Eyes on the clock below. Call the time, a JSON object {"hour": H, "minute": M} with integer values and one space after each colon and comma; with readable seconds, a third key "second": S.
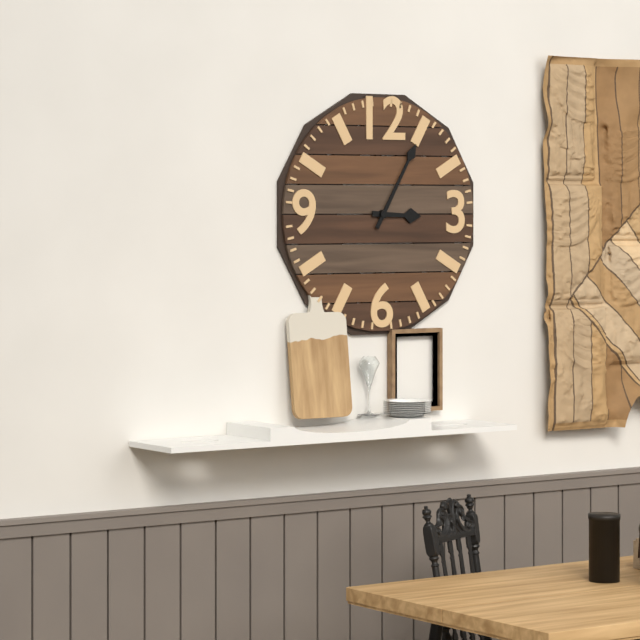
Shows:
{"hour": 3, "minute": 5}
